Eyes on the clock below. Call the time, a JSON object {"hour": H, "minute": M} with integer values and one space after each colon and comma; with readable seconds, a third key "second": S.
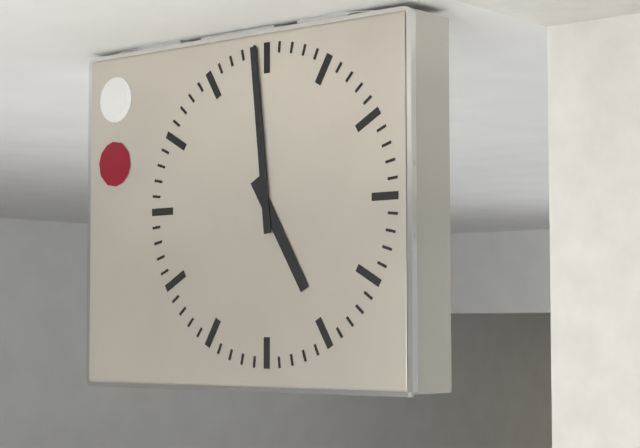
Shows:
{"hour": 4, "minute": 59}
